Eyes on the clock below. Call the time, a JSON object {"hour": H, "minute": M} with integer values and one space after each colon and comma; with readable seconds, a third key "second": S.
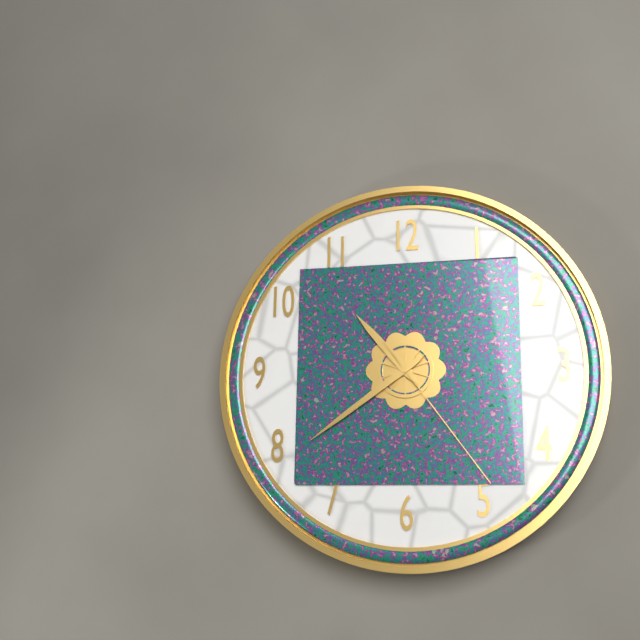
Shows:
{"hour": 10, "minute": 39, "second": 24}
